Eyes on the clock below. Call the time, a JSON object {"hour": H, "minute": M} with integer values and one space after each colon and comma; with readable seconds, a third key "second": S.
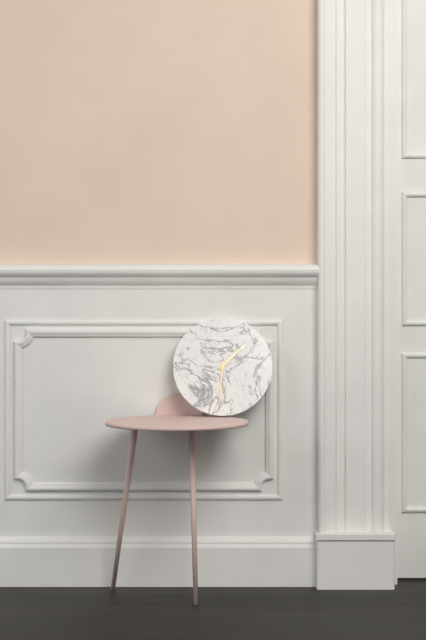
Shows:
{"hour": 1, "minute": 31}
